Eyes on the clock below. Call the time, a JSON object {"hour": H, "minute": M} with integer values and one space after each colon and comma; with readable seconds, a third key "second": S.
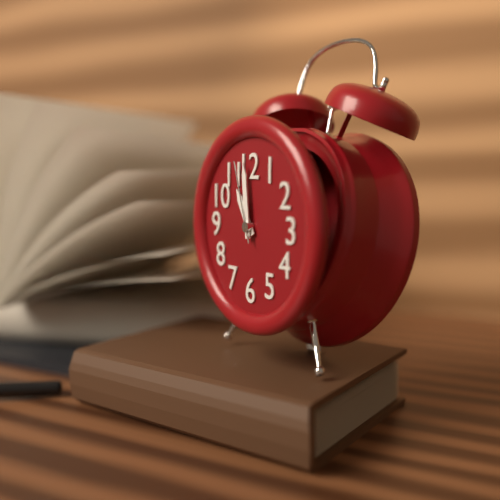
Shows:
{"hour": 10, "minute": 59, "second": 57}
